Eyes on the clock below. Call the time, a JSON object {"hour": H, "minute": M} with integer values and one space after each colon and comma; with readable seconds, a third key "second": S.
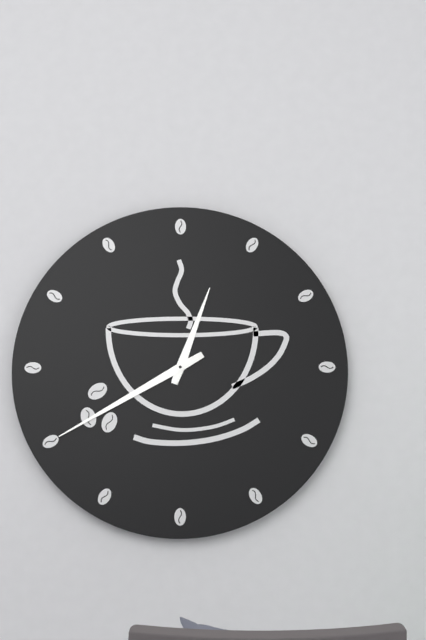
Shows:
{"hour": 12, "minute": 40}
